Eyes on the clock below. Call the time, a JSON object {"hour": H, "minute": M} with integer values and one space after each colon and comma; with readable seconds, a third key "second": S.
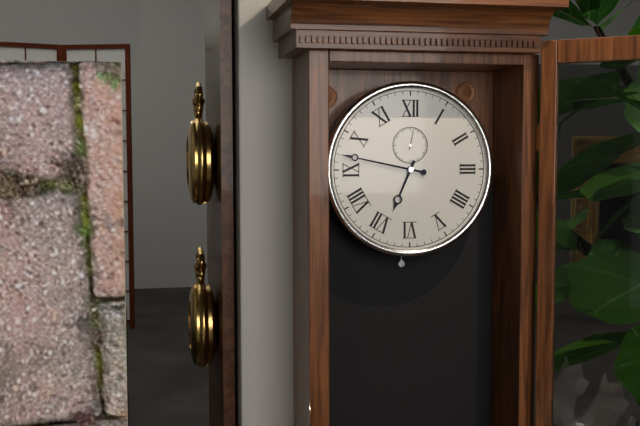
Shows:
{"hour": 6, "minute": 47}
